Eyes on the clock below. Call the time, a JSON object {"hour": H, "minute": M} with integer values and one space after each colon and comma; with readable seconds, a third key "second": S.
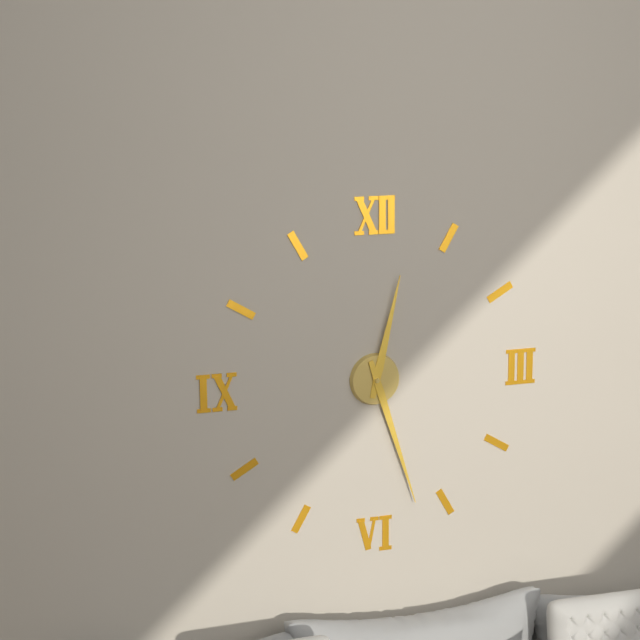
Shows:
{"hour": 12, "minute": 27}
